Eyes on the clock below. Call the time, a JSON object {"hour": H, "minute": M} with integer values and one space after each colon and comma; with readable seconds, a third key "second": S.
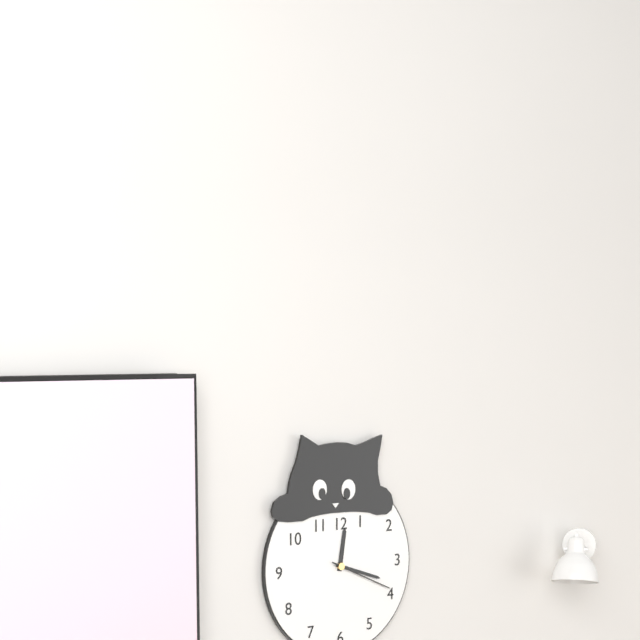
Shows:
{"hour": 12, "minute": 18, "second": 19}
